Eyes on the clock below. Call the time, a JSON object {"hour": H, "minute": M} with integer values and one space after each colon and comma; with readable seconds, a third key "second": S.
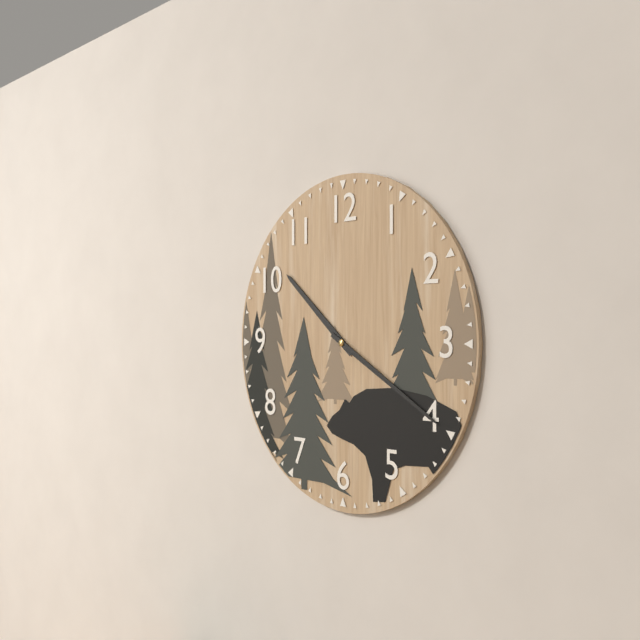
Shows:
{"hour": 10, "minute": 20}
